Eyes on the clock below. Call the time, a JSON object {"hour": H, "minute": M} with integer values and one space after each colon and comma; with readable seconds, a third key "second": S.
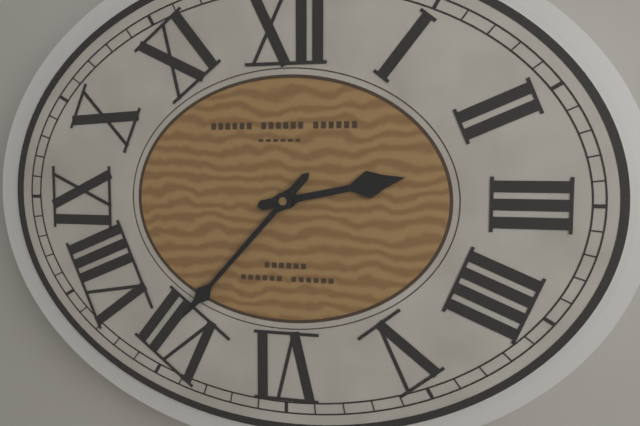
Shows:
{"hour": 2, "minute": 37}
